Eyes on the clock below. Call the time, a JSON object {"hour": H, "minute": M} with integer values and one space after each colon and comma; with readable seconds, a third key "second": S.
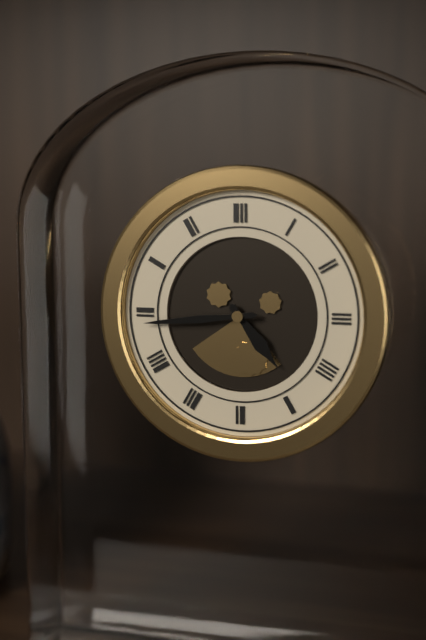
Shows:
{"hour": 4, "minute": 44}
